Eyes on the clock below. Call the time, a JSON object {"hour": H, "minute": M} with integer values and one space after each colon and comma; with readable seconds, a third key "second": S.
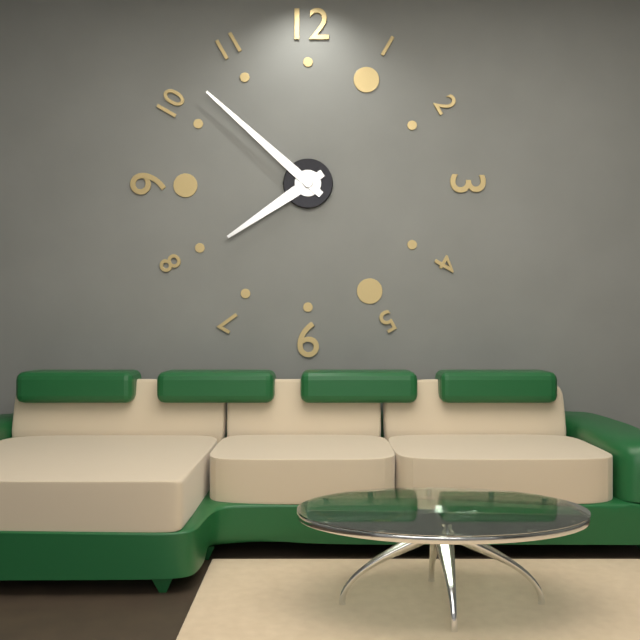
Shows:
{"hour": 7, "minute": 52}
